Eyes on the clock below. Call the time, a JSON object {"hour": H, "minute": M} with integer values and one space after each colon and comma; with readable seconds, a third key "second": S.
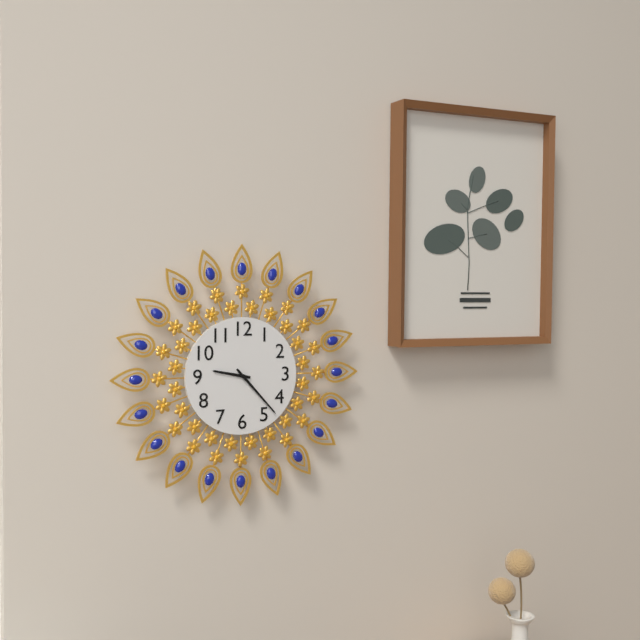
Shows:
{"hour": 9, "minute": 23}
